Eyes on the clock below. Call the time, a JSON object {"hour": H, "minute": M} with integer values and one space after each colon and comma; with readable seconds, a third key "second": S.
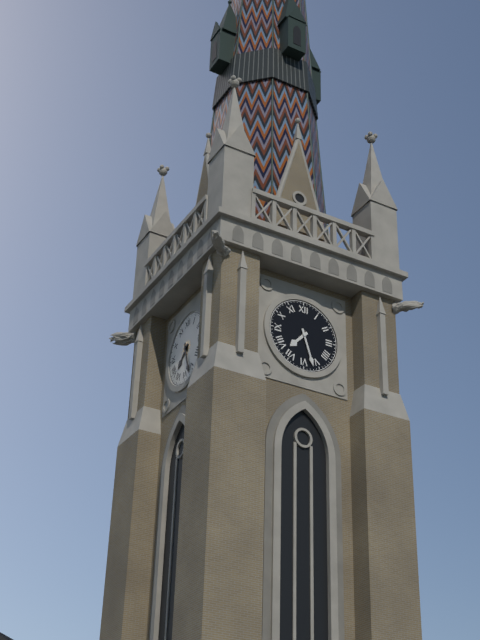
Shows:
{"hour": 7, "minute": 27}
